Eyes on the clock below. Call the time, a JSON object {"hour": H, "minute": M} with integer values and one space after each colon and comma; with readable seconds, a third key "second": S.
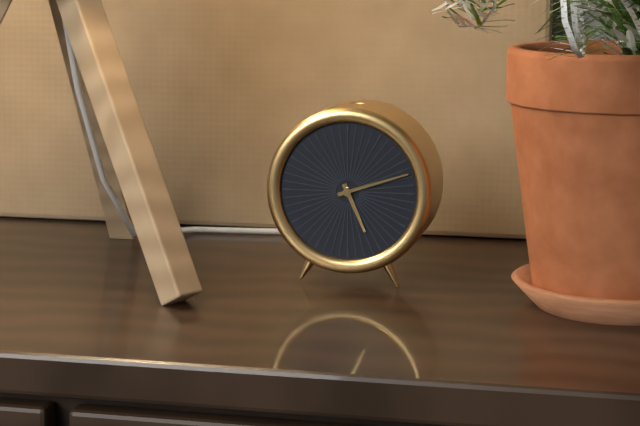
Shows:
{"hour": 5, "minute": 12}
